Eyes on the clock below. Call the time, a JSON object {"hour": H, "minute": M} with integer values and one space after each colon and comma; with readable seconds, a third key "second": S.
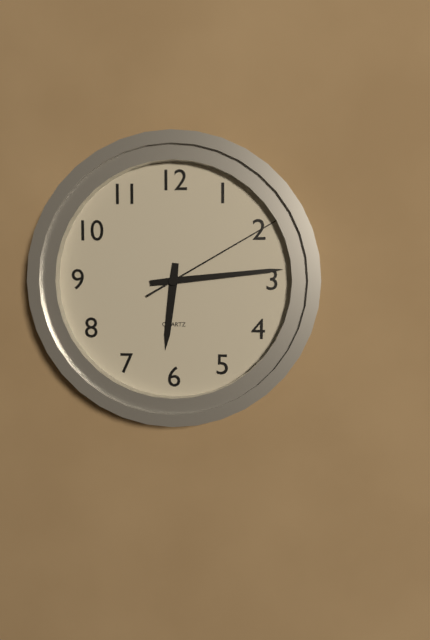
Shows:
{"hour": 6, "minute": 14, "second": 10}
